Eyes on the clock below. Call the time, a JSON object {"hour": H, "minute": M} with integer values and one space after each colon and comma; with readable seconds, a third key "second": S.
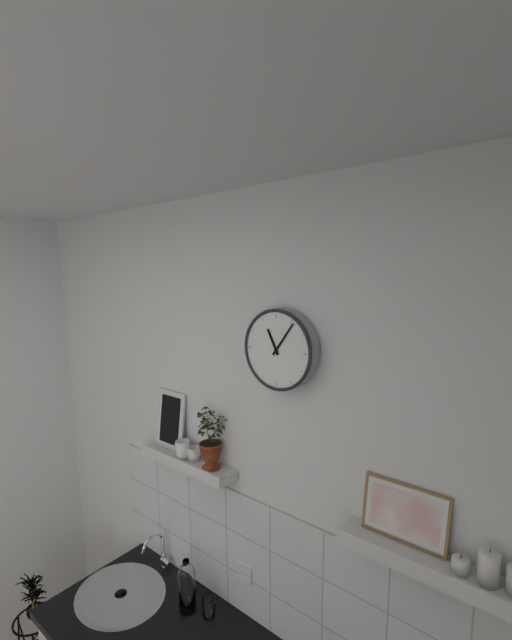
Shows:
{"hour": 11, "minute": 6}
